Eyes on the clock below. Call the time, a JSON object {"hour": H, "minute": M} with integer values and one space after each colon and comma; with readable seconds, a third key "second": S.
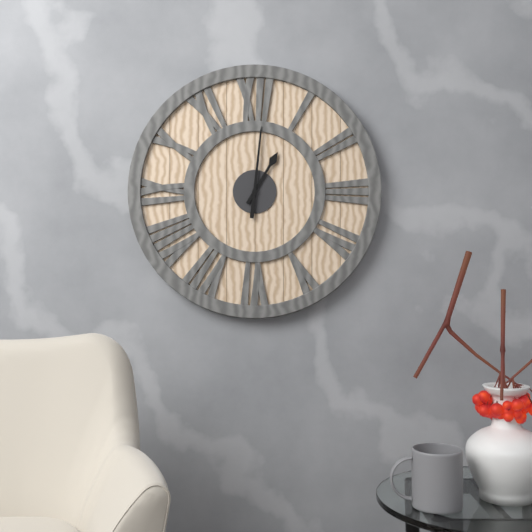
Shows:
{"hour": 1, "minute": 1}
